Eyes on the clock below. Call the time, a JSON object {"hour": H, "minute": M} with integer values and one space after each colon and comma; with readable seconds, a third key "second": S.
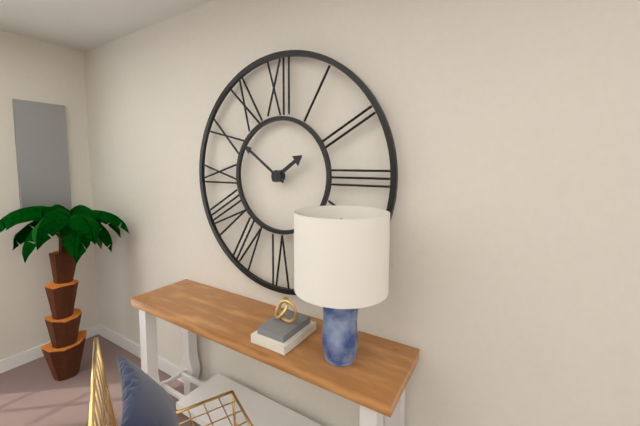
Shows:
{"hour": 1, "minute": 51}
